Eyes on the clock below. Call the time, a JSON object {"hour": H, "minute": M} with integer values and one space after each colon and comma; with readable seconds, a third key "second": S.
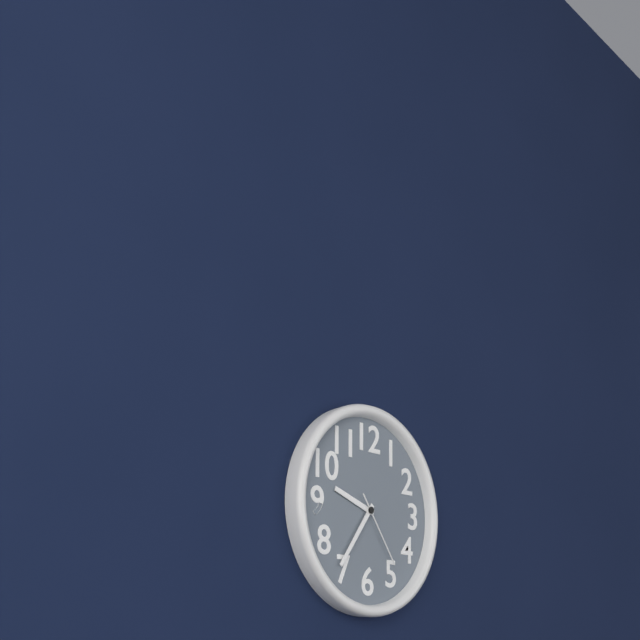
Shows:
{"hour": 9, "minute": 36, "second": 24}
